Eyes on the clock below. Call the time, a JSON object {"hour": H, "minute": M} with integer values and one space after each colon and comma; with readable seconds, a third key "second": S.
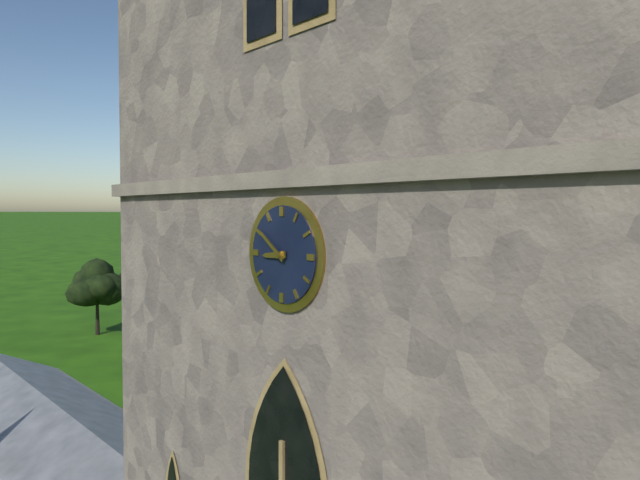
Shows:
{"hour": 8, "minute": 51}
